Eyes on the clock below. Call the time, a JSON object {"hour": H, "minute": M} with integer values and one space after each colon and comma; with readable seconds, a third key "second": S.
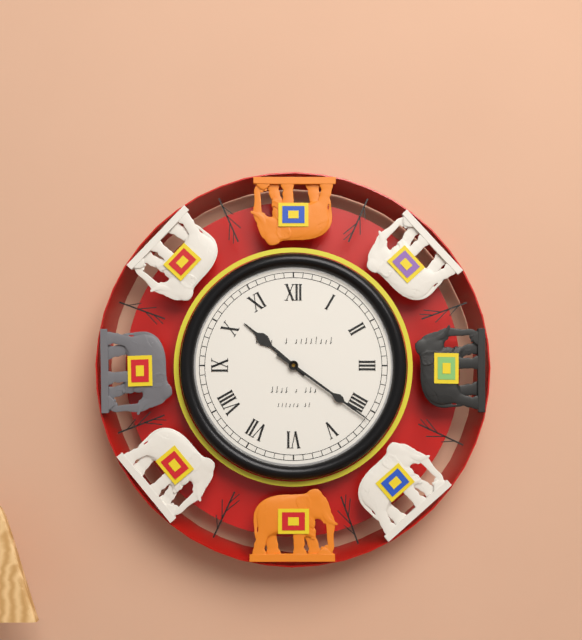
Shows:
{"hour": 10, "minute": 21}
